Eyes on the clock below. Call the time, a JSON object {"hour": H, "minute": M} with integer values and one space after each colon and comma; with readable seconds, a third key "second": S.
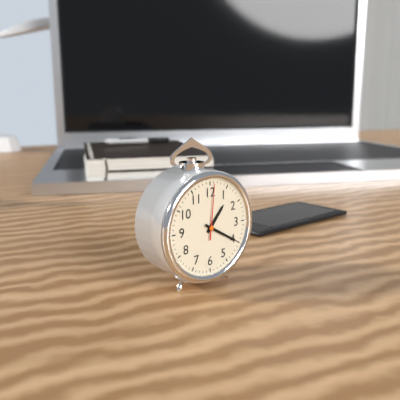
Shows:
{"hour": 1, "minute": 20, "second": 1}
